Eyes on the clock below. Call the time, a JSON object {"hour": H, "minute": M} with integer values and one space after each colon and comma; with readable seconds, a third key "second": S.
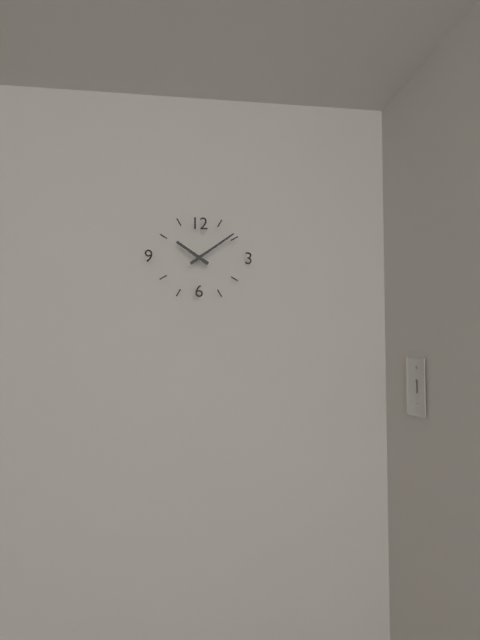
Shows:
{"hour": 10, "minute": 9}
